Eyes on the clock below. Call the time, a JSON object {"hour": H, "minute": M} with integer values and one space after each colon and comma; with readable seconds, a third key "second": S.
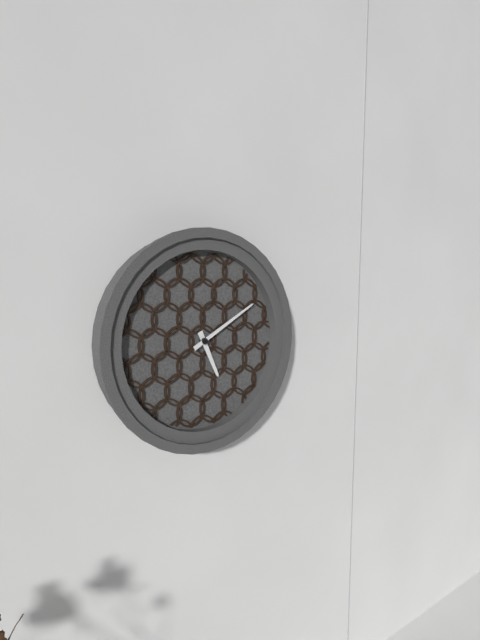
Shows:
{"hour": 5, "minute": 10}
